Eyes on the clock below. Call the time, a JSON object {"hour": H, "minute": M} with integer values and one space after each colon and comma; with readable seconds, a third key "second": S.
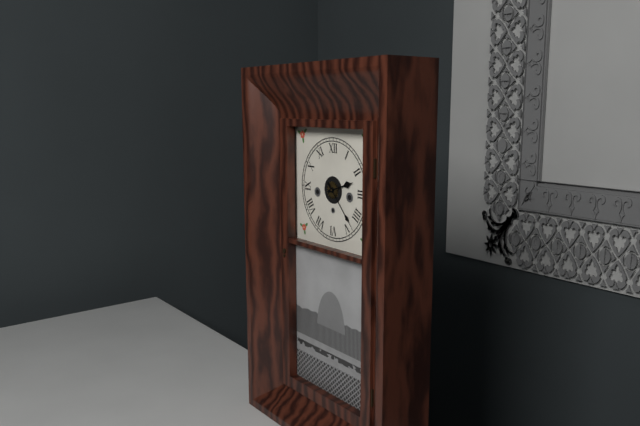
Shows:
{"hour": 2, "minute": 23}
